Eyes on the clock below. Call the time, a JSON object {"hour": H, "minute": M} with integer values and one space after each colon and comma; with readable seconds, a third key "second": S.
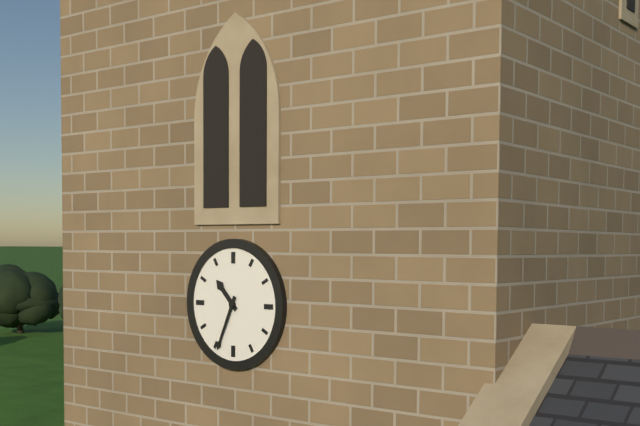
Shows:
{"hour": 10, "minute": 34}
